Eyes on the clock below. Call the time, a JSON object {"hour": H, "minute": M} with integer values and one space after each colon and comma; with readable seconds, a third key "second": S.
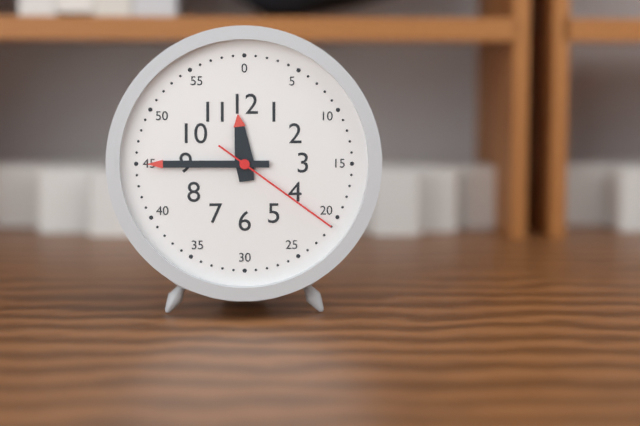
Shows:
{"hour": 11, "minute": 45, "second": 21}
